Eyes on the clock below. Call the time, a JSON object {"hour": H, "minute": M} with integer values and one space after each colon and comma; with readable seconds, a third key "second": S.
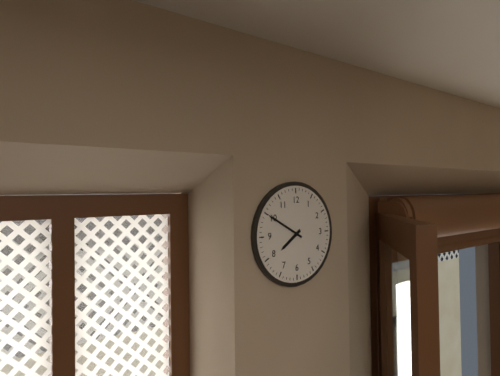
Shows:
{"hour": 7, "minute": 50}
